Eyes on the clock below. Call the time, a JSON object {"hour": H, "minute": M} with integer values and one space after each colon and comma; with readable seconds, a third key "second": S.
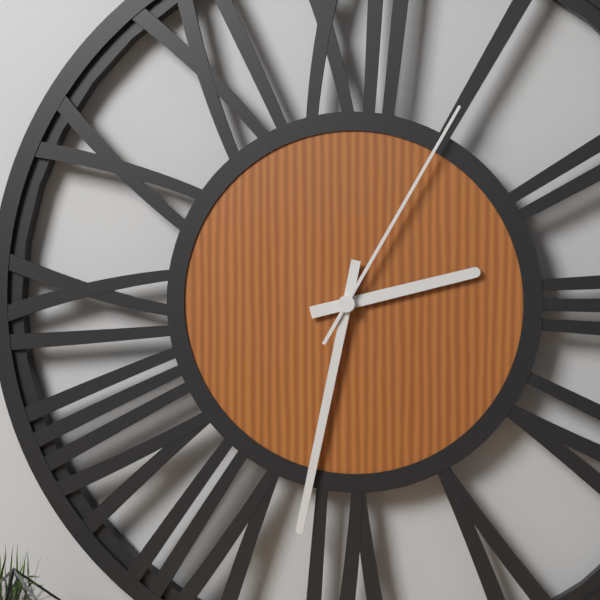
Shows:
{"hour": 2, "minute": 32, "second": 5}
